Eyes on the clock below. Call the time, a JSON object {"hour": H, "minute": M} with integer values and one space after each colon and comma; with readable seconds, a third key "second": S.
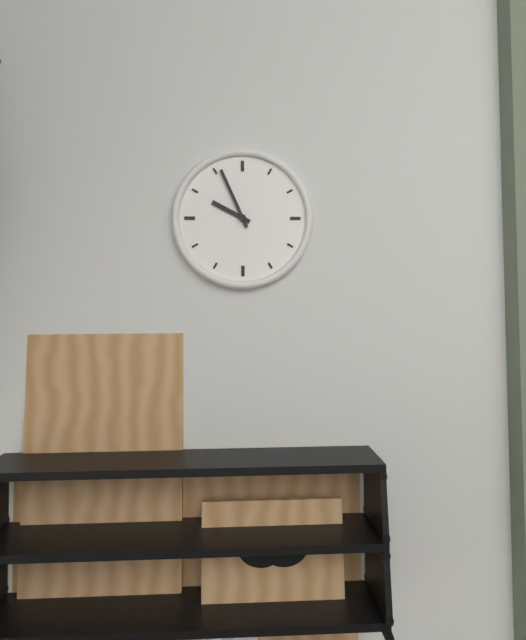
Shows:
{"hour": 9, "minute": 56}
